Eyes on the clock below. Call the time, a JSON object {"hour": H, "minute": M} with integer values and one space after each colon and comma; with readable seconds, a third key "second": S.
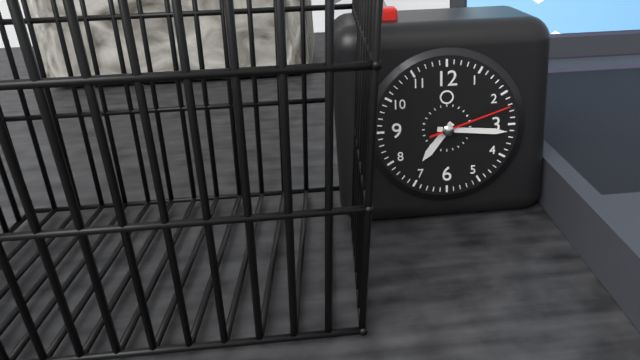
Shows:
{"hour": 7, "minute": 16, "second": 12}
